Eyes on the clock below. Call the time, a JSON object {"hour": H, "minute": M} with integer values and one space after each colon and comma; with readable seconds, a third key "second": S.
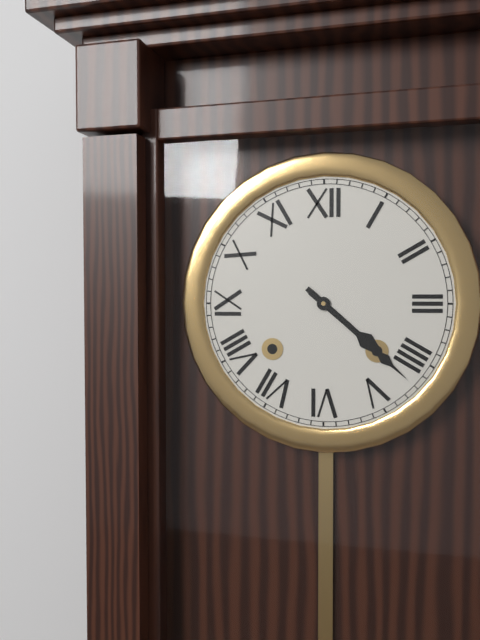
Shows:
{"hour": 4, "minute": 22}
